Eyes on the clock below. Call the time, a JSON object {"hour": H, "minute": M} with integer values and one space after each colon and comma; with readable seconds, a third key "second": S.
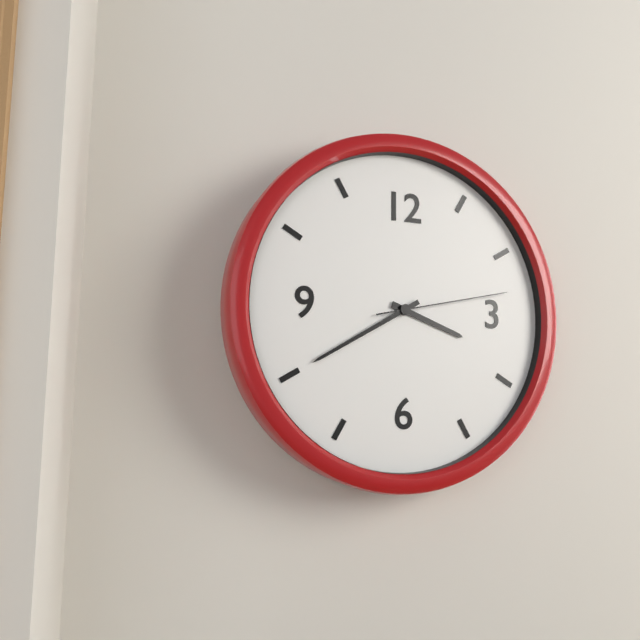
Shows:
{"hour": 3, "minute": 40, "second": 13}
